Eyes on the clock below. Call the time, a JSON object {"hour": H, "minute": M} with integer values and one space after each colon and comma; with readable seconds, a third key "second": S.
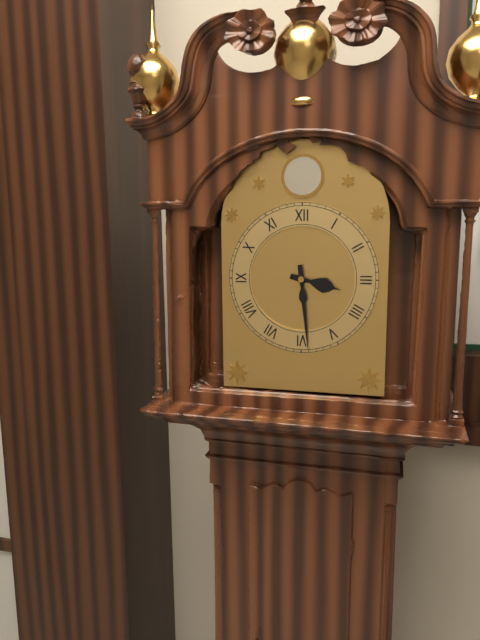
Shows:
{"hour": 3, "minute": 29}
